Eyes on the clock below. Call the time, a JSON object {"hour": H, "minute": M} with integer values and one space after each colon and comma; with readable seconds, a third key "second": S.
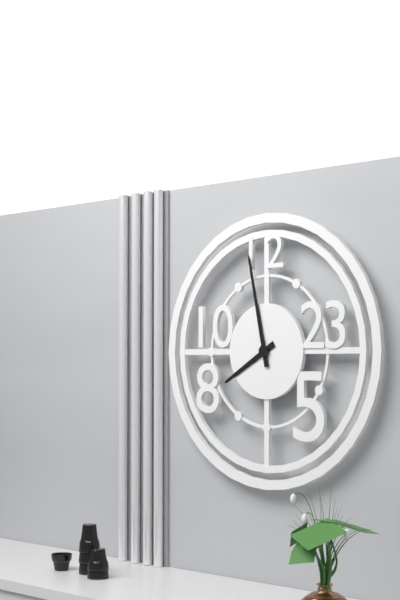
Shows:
{"hour": 7, "minute": 58}
